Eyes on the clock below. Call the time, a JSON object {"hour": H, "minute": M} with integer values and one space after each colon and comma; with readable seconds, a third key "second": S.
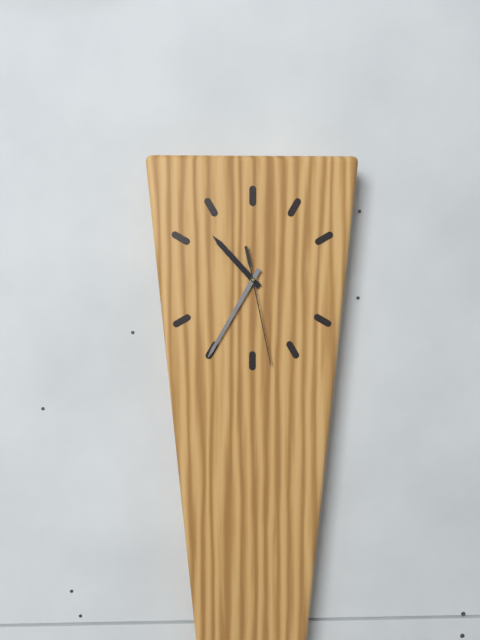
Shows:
{"hour": 10, "minute": 35, "second": 28}
